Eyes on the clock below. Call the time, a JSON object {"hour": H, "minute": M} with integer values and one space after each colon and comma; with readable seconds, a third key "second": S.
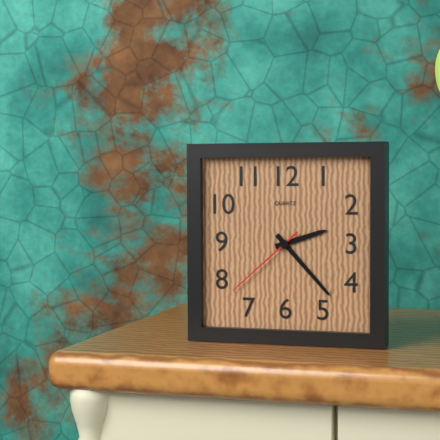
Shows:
{"hour": 2, "minute": 23, "second": 38}
